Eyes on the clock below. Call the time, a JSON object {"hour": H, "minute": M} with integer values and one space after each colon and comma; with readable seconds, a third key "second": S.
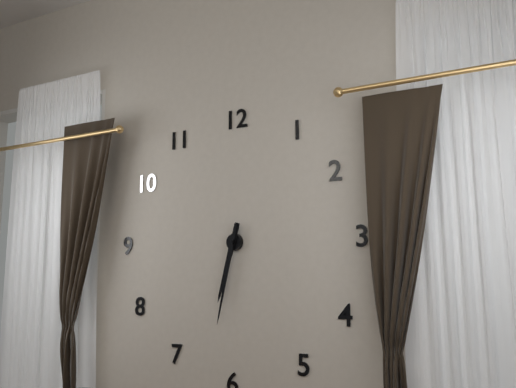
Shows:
{"hour": 6, "minute": 32}
